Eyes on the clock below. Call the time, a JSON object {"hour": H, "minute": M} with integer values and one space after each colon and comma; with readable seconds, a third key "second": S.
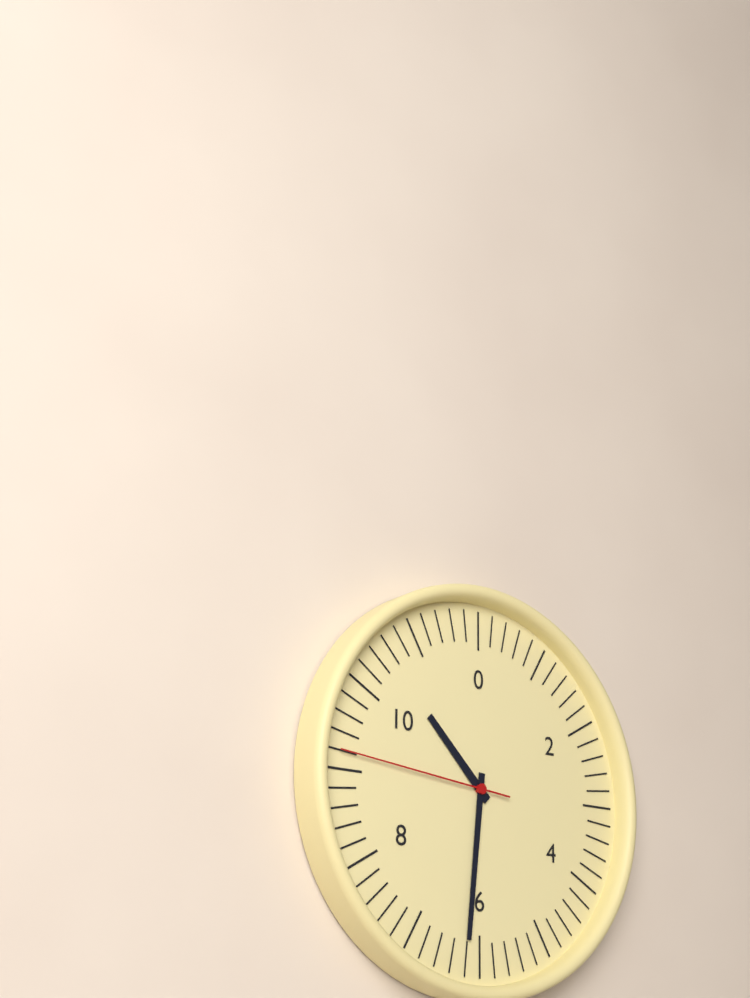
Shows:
{"hour": 10, "minute": 31, "second": 46}
